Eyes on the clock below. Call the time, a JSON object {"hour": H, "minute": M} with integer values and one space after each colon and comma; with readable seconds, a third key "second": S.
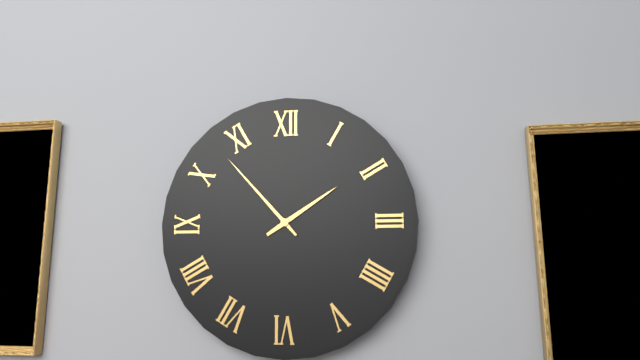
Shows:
{"hour": 1, "minute": 53}
